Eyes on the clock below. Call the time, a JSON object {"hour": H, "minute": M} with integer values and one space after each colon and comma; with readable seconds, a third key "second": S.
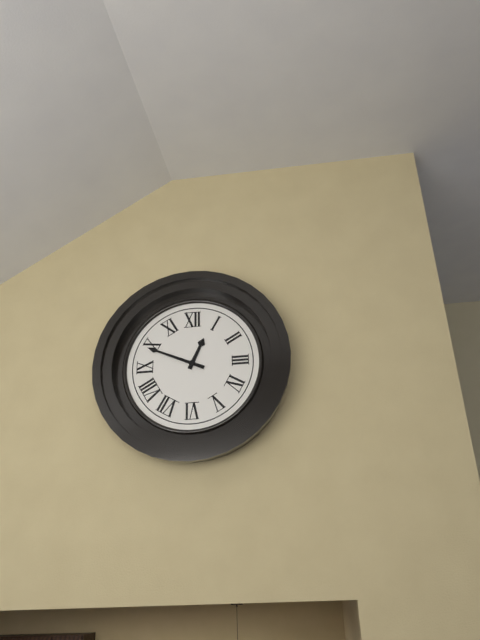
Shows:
{"hour": 12, "minute": 49}
